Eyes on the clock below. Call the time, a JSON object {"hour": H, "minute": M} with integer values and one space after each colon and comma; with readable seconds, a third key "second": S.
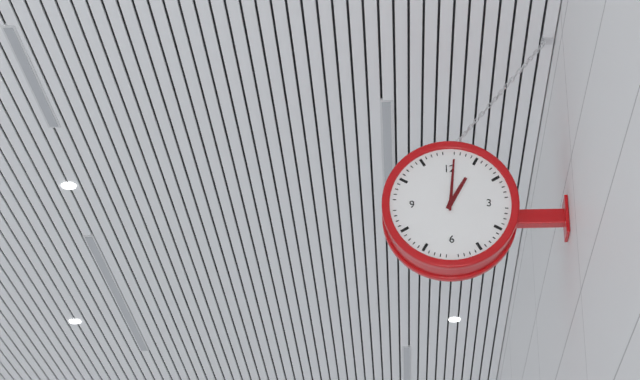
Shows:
{"hour": 1, "minute": 1}
